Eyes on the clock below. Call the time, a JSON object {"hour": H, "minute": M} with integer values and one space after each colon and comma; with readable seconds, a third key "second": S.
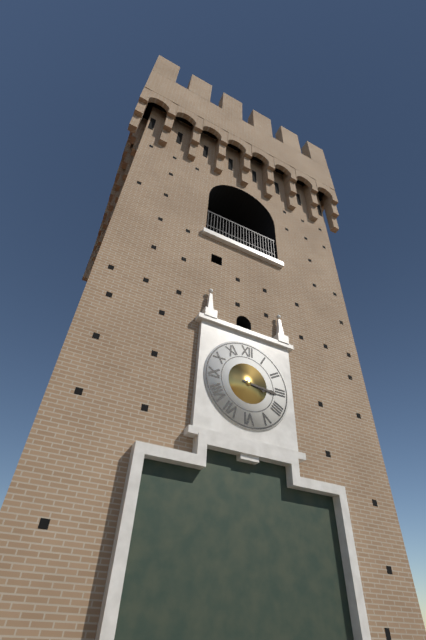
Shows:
{"hour": 3, "minute": 16}
